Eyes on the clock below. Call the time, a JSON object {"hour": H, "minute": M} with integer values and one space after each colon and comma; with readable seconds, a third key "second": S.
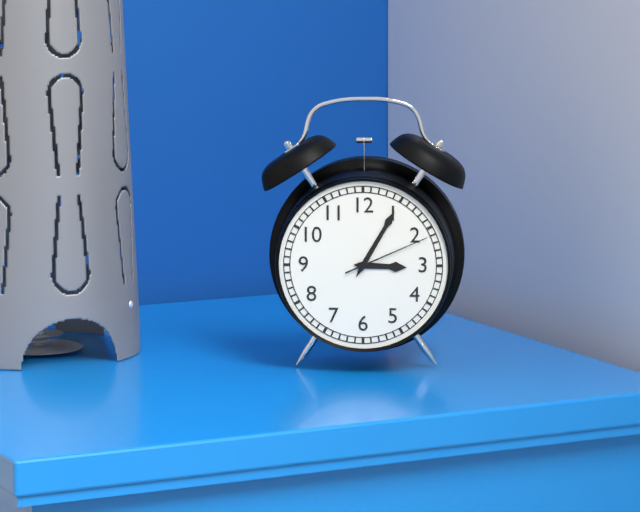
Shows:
{"hour": 3, "minute": 5, "second": 11}
